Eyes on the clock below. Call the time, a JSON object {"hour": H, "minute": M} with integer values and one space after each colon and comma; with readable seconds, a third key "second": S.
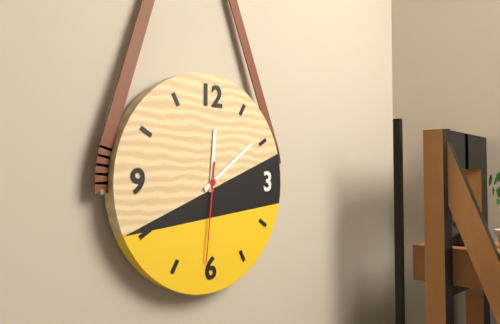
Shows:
{"hour": 12, "minute": 9, "second": 31}
